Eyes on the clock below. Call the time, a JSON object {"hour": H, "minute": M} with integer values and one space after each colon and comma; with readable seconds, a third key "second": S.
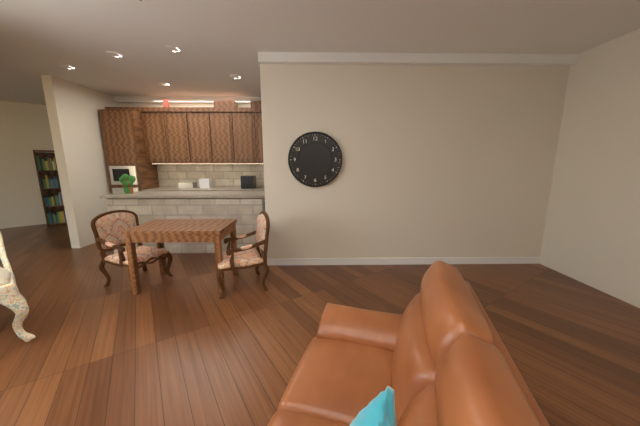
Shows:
{"hour": 7, "minute": 12}
